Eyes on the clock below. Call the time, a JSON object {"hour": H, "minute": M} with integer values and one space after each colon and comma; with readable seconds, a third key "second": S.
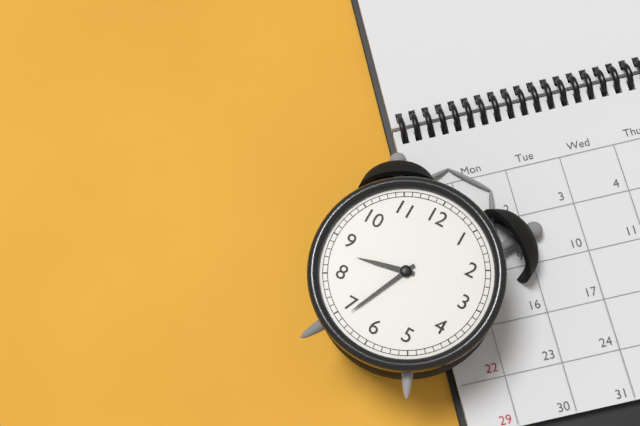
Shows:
{"hour": 8, "minute": 34}
